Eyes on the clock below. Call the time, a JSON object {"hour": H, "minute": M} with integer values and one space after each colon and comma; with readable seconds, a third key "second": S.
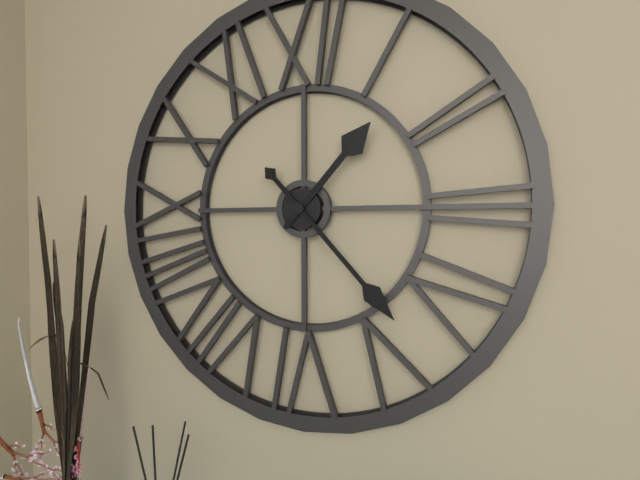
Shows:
{"hour": 1, "minute": 23}
